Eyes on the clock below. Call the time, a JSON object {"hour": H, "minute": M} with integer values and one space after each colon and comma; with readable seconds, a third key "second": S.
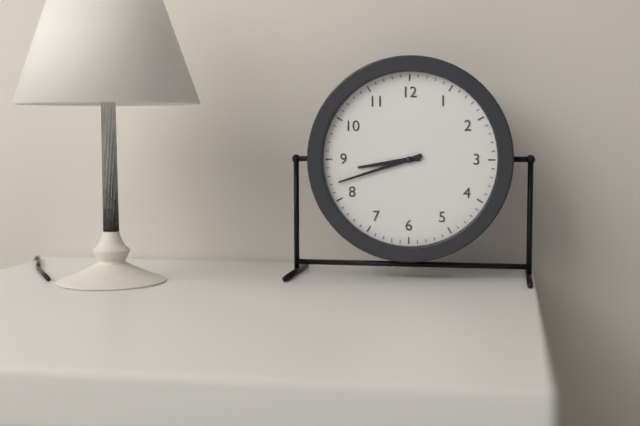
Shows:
{"hour": 8, "minute": 42}
